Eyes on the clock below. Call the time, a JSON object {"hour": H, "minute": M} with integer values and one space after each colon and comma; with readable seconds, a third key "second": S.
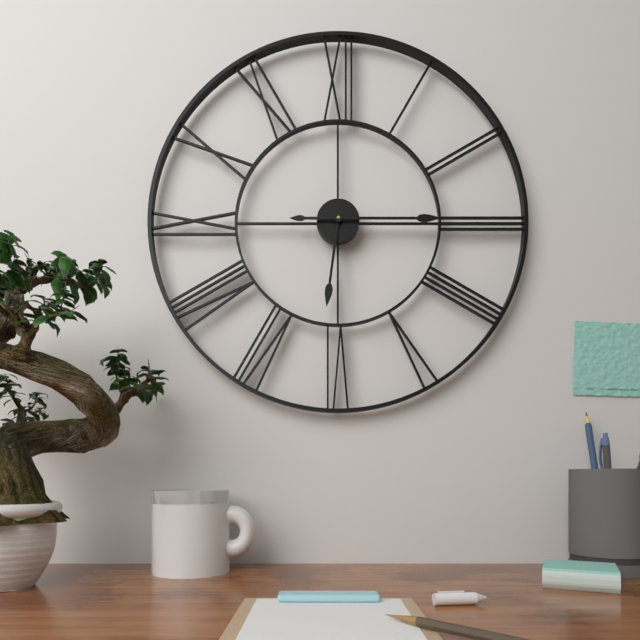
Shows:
{"hour": 6, "minute": 15}
